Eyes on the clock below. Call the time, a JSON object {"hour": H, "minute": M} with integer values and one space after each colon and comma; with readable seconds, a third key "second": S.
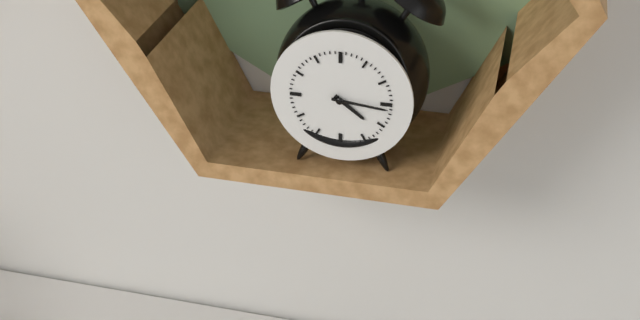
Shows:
{"hour": 4, "minute": 16}
